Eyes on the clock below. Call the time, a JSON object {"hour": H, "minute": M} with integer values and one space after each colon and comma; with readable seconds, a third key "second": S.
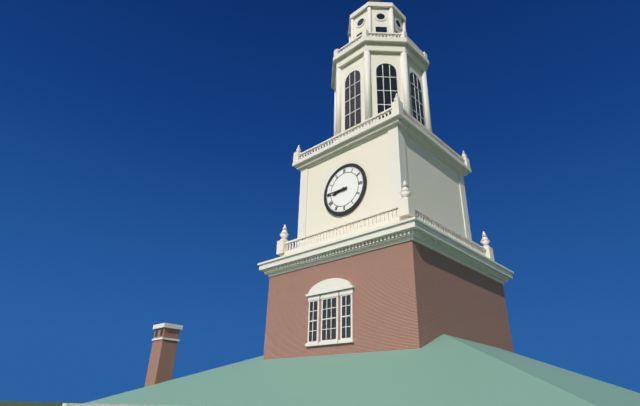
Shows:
{"hour": 8, "minute": 45}
